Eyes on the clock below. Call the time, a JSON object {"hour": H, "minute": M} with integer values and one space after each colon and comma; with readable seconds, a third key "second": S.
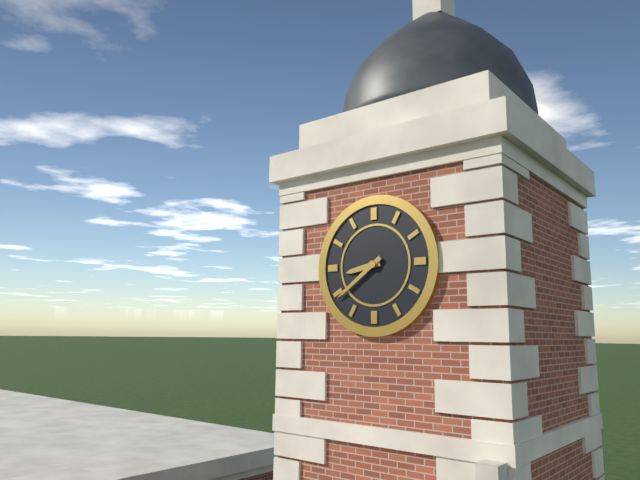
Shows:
{"hour": 8, "minute": 39}
